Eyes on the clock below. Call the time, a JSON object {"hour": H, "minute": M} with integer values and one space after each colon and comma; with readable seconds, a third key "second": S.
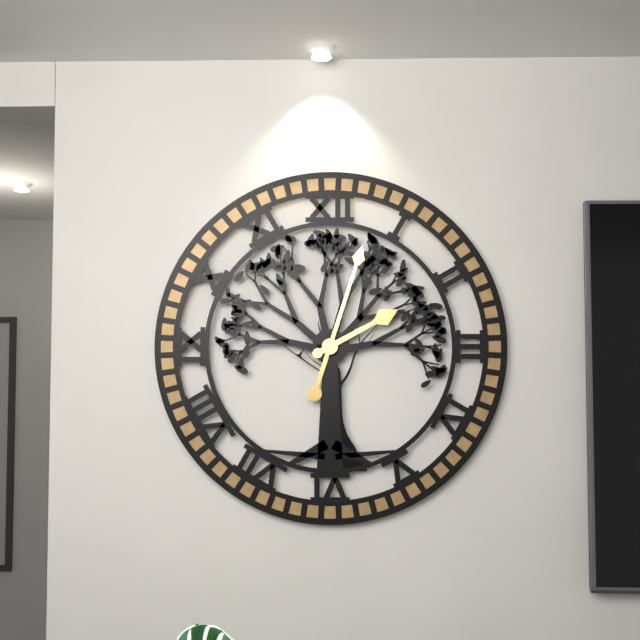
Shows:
{"hour": 2, "minute": 3}
